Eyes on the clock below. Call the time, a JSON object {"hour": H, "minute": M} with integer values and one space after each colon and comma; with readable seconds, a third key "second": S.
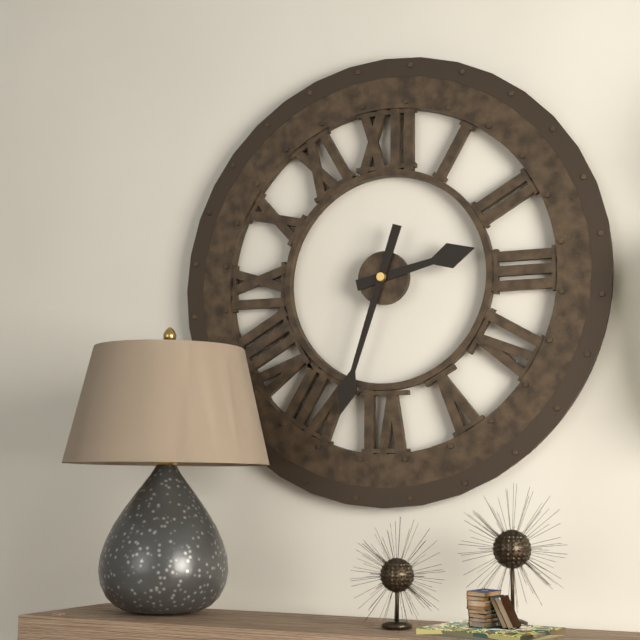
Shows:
{"hour": 2, "minute": 33}
